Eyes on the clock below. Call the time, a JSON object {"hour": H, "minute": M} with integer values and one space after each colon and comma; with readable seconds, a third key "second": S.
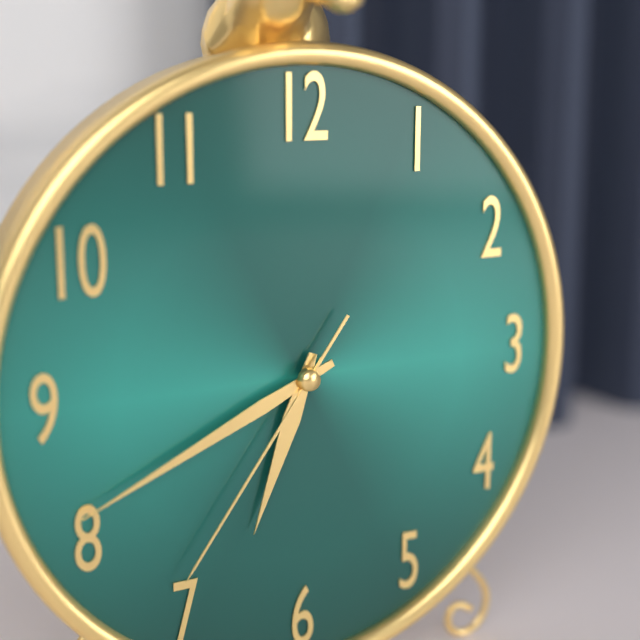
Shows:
{"hour": 6, "minute": 41, "second": 36}
